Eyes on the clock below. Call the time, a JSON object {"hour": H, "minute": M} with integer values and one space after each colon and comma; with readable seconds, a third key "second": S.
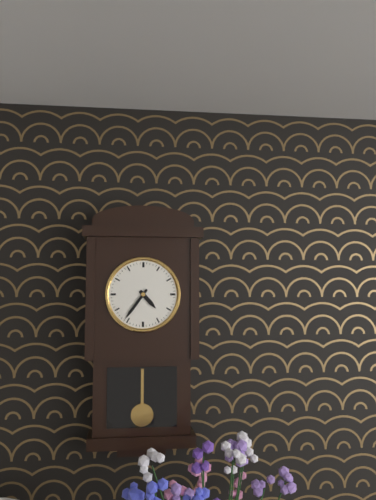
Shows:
{"hour": 4, "minute": 36}
